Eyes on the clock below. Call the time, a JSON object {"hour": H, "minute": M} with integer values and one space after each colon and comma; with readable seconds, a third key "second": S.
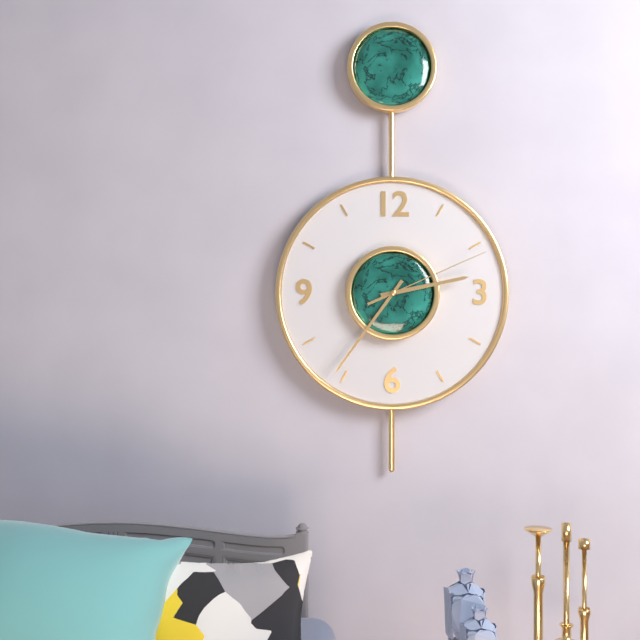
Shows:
{"hour": 2, "minute": 36, "second": 11}
